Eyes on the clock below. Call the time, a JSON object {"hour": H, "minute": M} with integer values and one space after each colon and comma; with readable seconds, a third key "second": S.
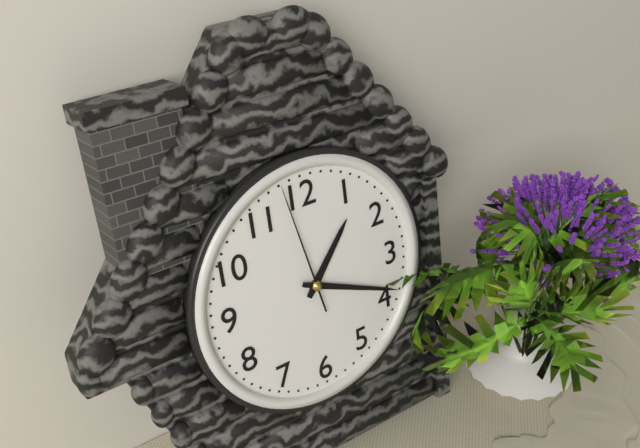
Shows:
{"hour": 1, "minute": 19, "second": 58}
